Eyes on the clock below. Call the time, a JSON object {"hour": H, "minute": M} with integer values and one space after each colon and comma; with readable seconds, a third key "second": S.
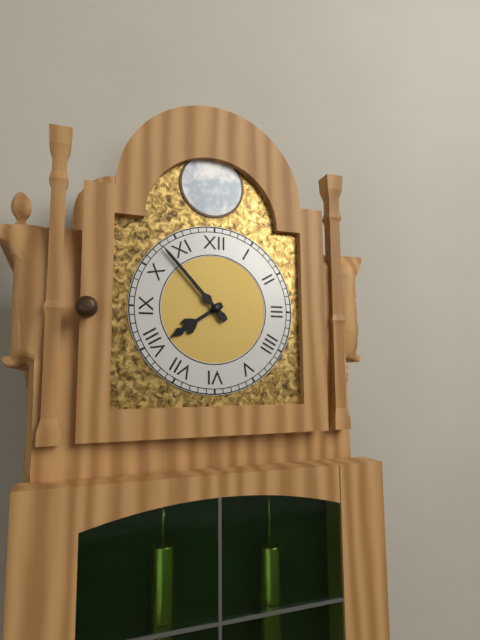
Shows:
{"hour": 7, "minute": 53}
